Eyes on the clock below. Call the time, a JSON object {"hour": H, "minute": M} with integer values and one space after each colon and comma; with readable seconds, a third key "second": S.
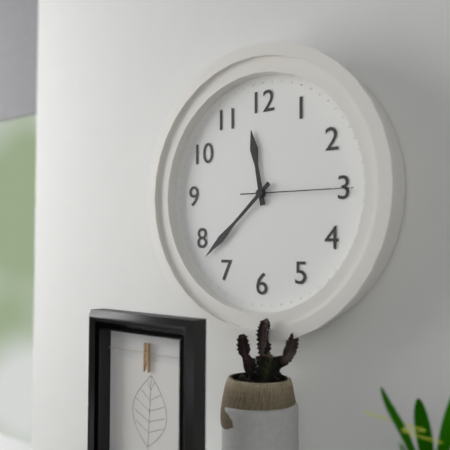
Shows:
{"hour": 11, "minute": 38, "second": 15}
